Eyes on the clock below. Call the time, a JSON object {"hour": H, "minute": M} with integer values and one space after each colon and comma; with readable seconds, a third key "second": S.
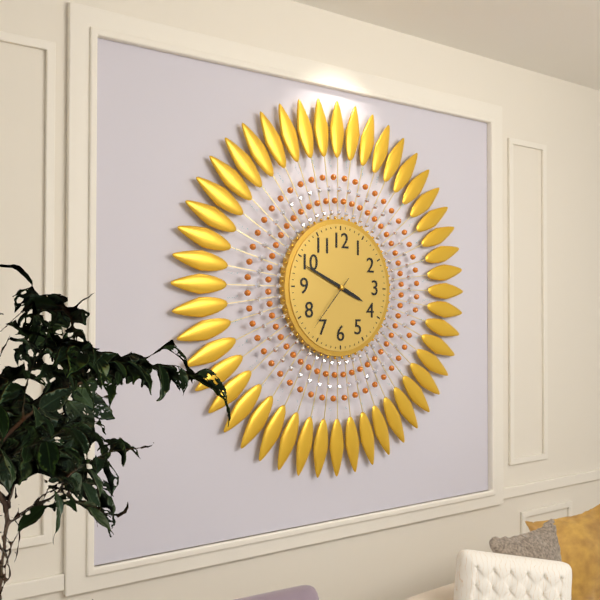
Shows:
{"hour": 3, "minute": 49, "second": 37}
